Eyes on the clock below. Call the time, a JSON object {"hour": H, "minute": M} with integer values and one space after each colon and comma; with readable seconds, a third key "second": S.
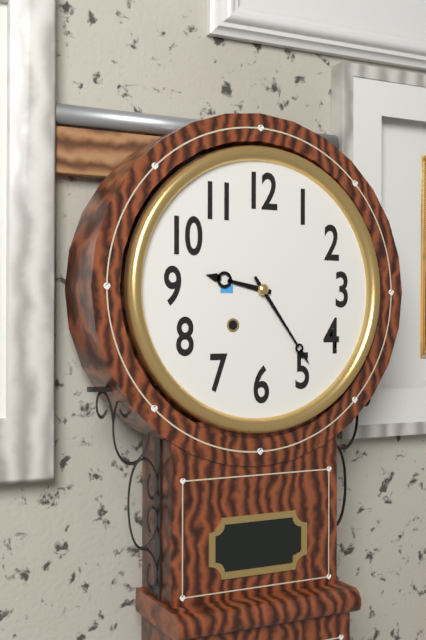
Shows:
{"hour": 9, "minute": 24}
